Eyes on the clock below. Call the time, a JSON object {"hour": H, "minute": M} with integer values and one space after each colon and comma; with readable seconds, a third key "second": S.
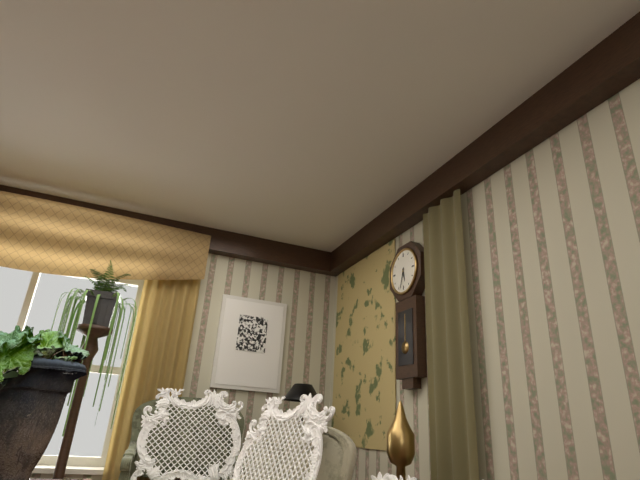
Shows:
{"hour": 5, "minute": 33}
